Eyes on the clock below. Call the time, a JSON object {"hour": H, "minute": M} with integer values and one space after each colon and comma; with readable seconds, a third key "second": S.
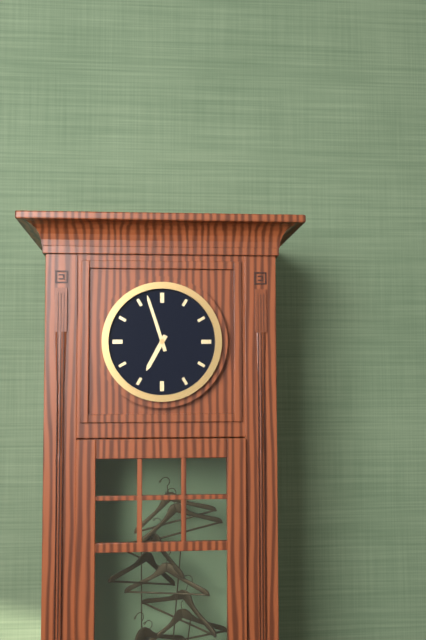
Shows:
{"hour": 6, "minute": 57}
